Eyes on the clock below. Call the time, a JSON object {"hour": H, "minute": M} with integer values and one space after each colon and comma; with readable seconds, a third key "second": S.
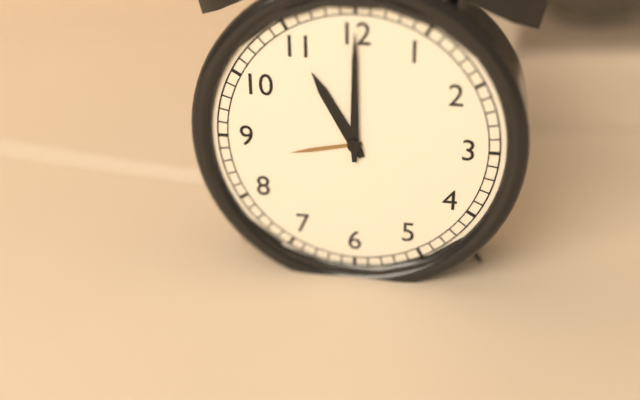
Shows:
{"hour": 11, "minute": 0}
